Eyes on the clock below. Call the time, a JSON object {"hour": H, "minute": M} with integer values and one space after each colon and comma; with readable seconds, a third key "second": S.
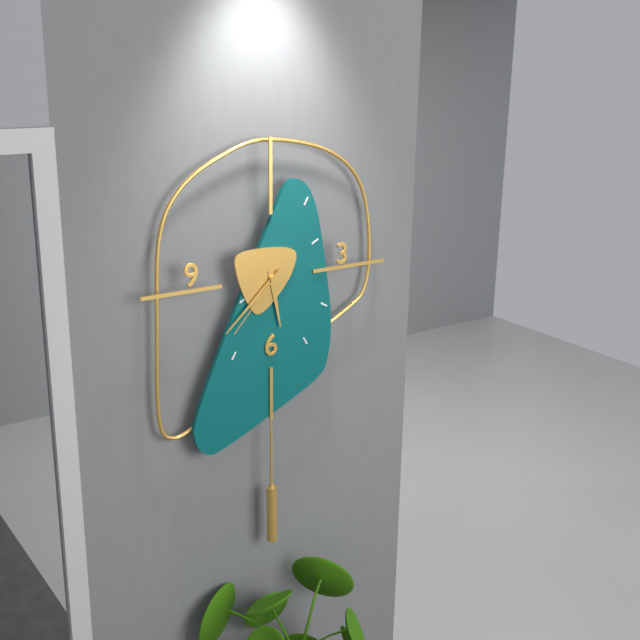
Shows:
{"hour": 5, "minute": 38, "second": 37}
